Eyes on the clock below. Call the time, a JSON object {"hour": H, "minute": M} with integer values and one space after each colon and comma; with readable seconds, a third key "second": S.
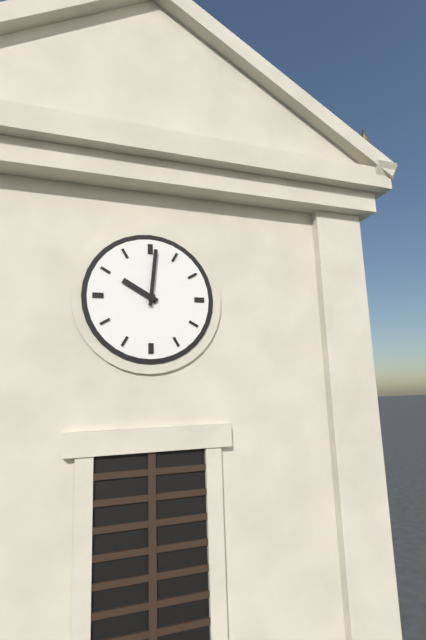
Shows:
{"hour": 10, "minute": 1}
